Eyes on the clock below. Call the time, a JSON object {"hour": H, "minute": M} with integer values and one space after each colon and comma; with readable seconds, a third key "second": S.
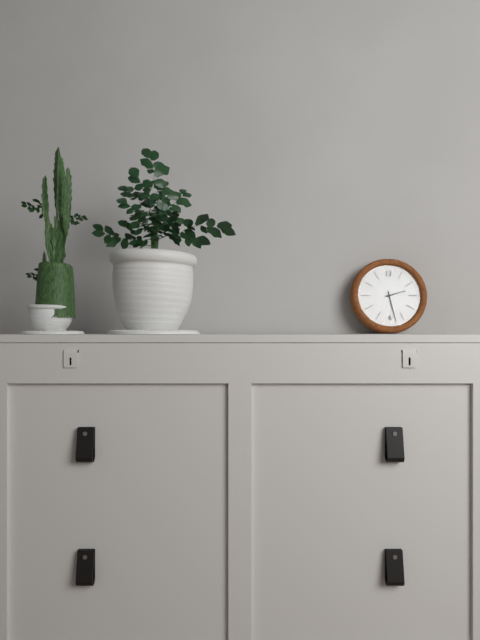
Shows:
{"hour": 2, "minute": 28}
